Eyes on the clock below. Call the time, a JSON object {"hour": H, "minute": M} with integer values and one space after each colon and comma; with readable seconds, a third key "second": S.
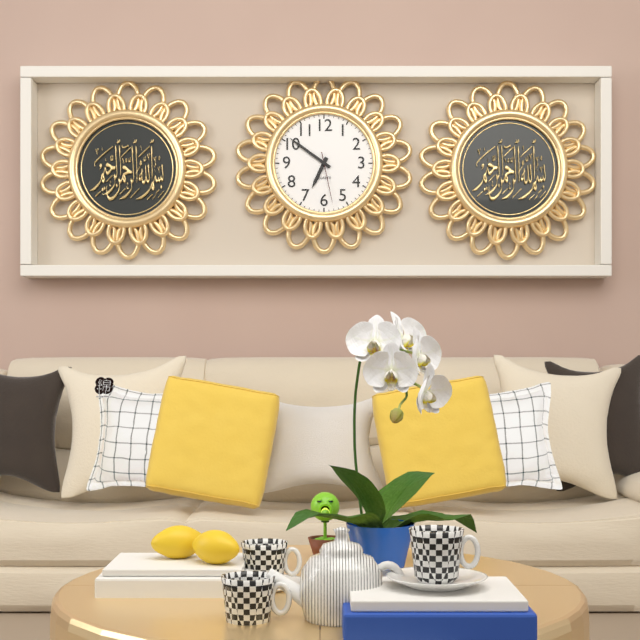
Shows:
{"hour": 6, "minute": 51, "second": 28}
